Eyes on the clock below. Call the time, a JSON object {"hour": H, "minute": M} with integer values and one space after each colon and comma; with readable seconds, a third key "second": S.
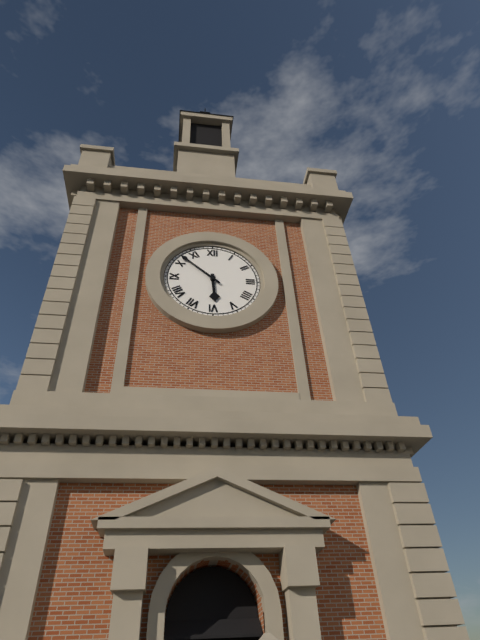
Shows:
{"hour": 5, "minute": 52}
